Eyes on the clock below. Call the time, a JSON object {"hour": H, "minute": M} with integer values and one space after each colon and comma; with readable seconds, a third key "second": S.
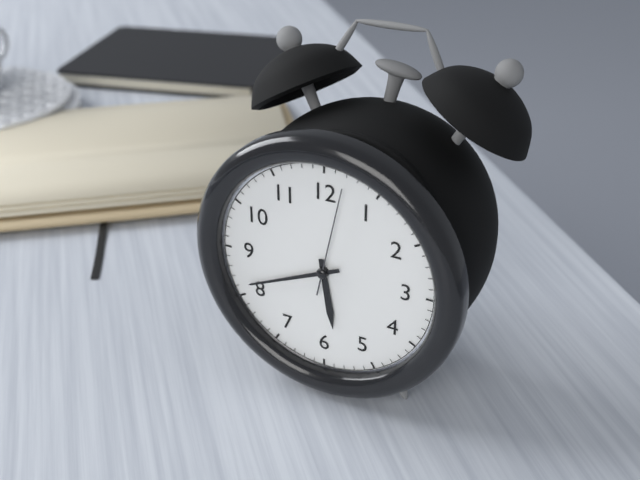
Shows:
{"hour": 5, "minute": 41, "second": 2}
